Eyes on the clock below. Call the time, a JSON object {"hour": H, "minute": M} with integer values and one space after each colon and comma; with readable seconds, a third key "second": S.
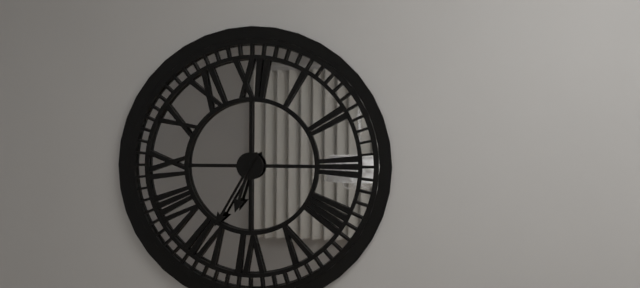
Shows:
{"hour": 6, "minute": 35}
